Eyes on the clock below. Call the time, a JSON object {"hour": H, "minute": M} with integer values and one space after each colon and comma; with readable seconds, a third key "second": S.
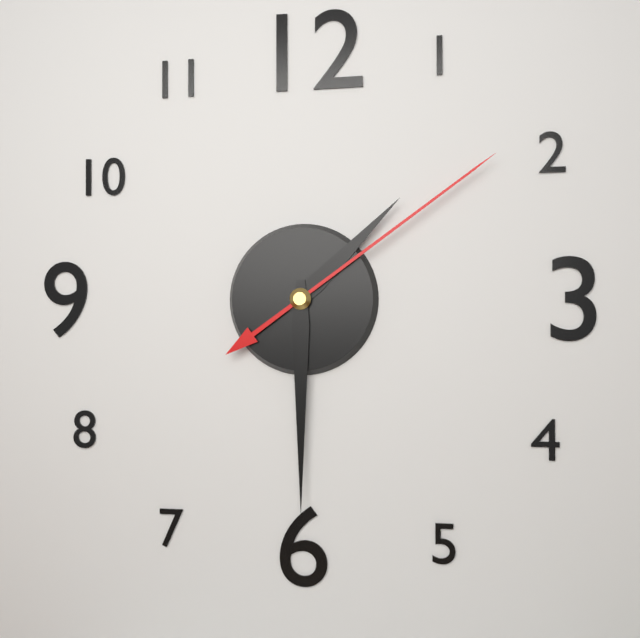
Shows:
{"hour": 1, "minute": 30, "second": 9}
